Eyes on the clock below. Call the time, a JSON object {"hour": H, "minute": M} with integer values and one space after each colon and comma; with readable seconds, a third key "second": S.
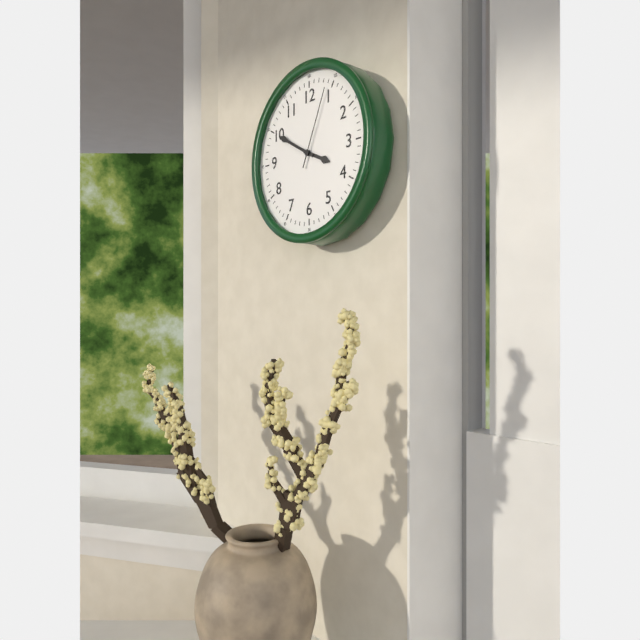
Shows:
{"hour": 3, "minute": 50, "second": 4}
